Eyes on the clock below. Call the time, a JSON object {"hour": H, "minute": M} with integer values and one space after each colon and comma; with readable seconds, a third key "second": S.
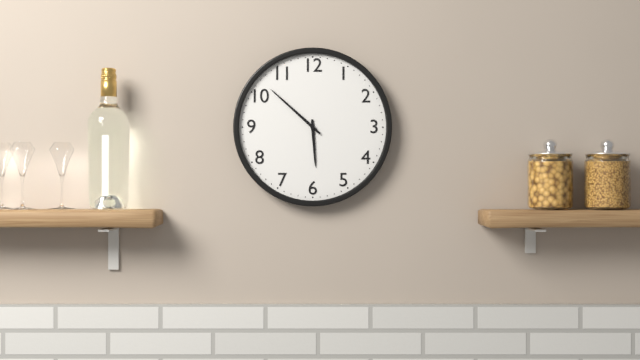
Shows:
{"hour": 5, "minute": 52}
